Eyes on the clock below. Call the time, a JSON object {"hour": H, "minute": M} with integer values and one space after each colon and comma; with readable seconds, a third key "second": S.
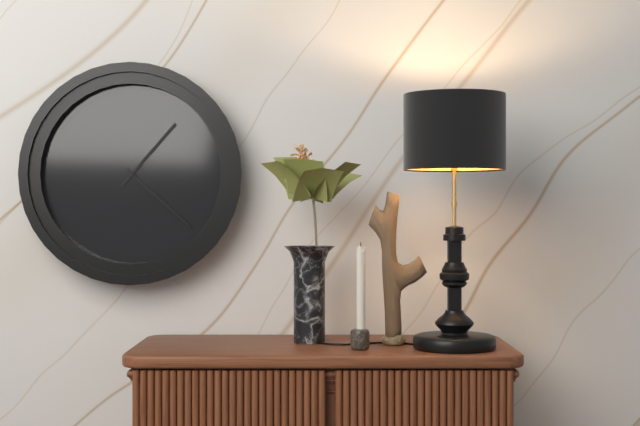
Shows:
{"hour": 1, "minute": 22}
